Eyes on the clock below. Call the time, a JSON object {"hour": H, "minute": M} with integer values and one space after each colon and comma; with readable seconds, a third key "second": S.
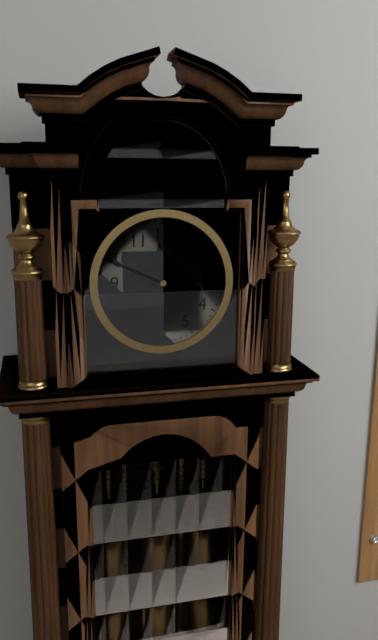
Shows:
{"hour": 11, "minute": 49}
